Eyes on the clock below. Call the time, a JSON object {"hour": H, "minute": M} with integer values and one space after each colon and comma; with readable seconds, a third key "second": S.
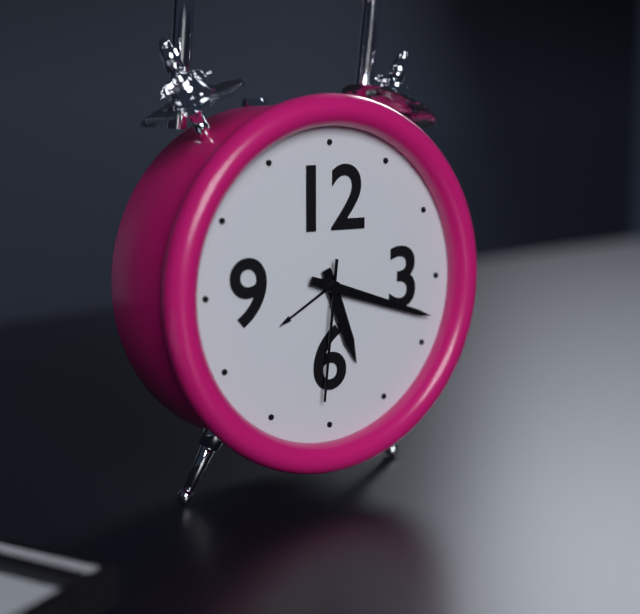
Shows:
{"hour": 5, "minute": 18, "second": 31}
